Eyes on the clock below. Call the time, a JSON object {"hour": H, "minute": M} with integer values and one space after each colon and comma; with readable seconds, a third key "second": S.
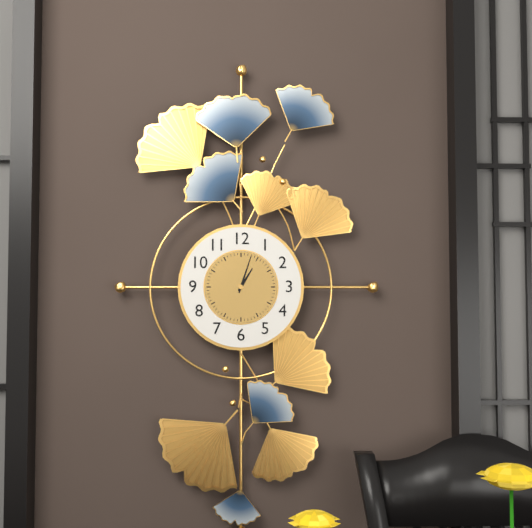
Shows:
{"hour": 1, "minute": 3}
